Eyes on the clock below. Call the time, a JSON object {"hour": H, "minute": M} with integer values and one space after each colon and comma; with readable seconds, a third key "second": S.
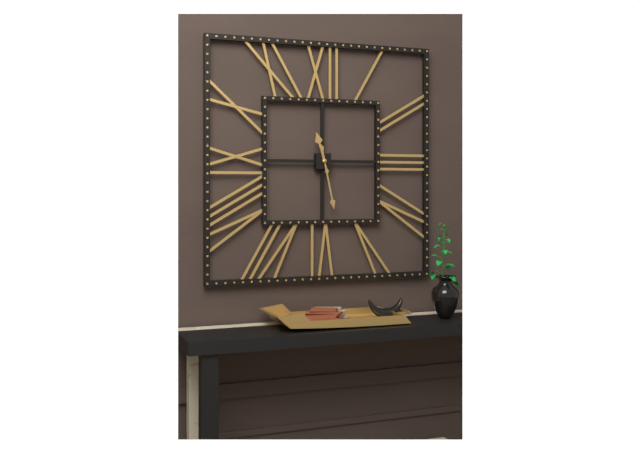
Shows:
{"hour": 11, "minute": 28}
